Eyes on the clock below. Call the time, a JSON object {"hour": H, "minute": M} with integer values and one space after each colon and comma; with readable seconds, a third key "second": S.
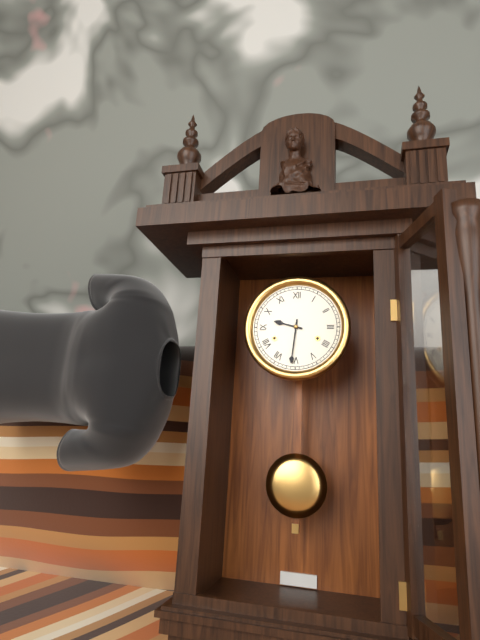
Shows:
{"hour": 9, "minute": 31}
